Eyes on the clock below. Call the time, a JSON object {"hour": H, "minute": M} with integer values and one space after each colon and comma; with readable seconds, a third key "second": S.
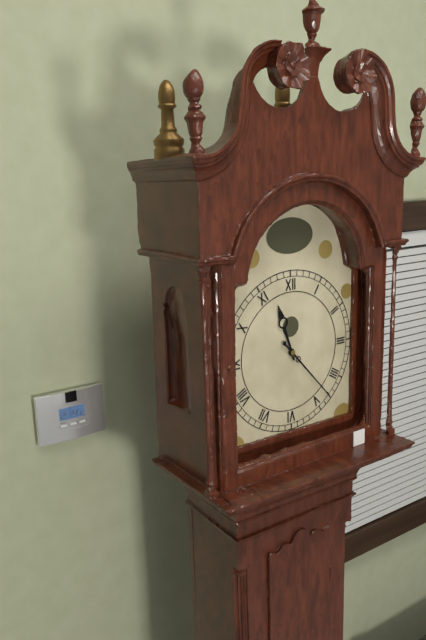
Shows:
{"hour": 11, "minute": 23}
